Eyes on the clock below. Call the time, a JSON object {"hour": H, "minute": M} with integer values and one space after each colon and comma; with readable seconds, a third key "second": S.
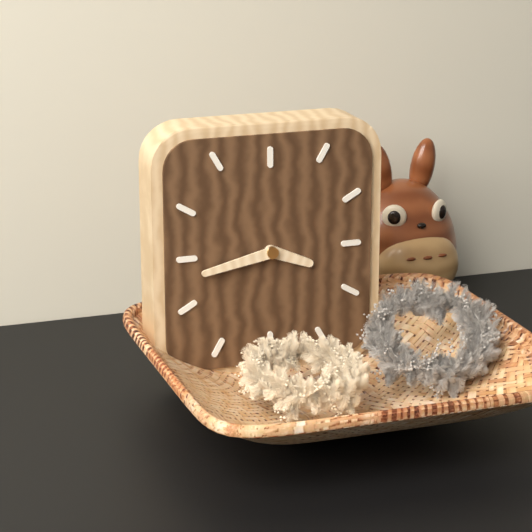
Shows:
{"hour": 3, "minute": 43}
